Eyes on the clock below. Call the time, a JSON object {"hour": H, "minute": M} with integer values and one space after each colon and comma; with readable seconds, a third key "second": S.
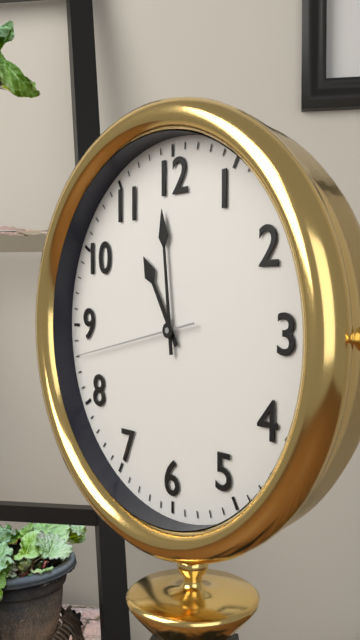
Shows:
{"hour": 10, "minute": 59, "second": 43}
